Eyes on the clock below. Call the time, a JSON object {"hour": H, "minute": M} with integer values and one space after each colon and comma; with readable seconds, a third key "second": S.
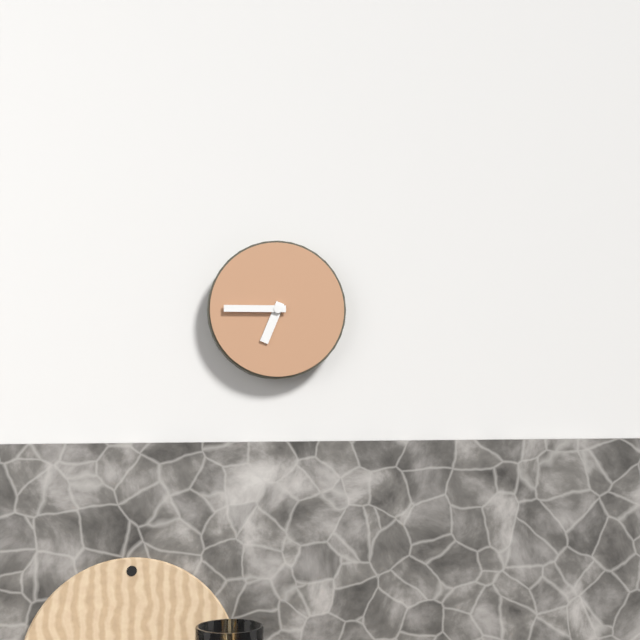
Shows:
{"hour": 6, "minute": 45}
